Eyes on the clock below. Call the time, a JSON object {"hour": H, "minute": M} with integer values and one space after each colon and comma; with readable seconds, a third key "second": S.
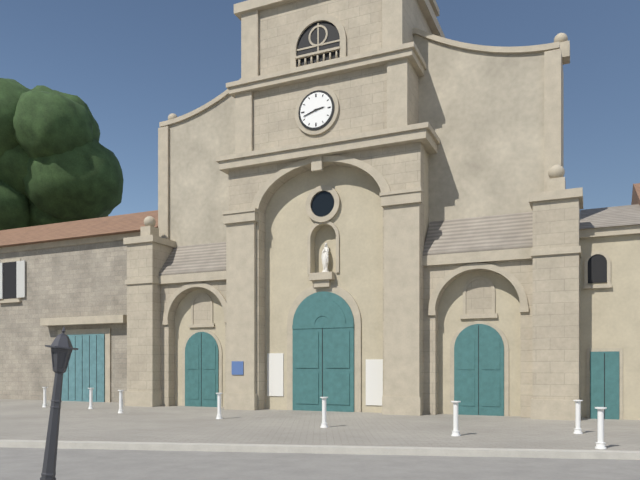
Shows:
{"hour": 2, "minute": 42}
